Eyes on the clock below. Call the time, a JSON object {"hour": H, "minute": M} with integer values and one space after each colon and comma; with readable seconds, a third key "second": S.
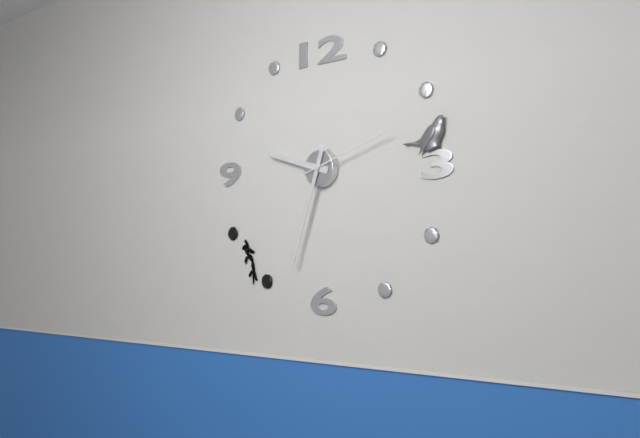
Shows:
{"hour": 9, "minute": 33, "second": 12}
